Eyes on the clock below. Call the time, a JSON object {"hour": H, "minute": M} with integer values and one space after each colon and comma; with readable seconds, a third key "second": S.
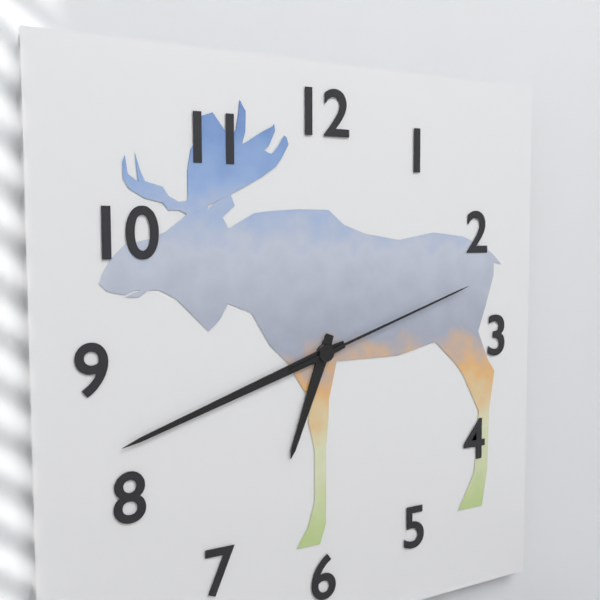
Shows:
{"hour": 6, "minute": 42, "second": 12}
